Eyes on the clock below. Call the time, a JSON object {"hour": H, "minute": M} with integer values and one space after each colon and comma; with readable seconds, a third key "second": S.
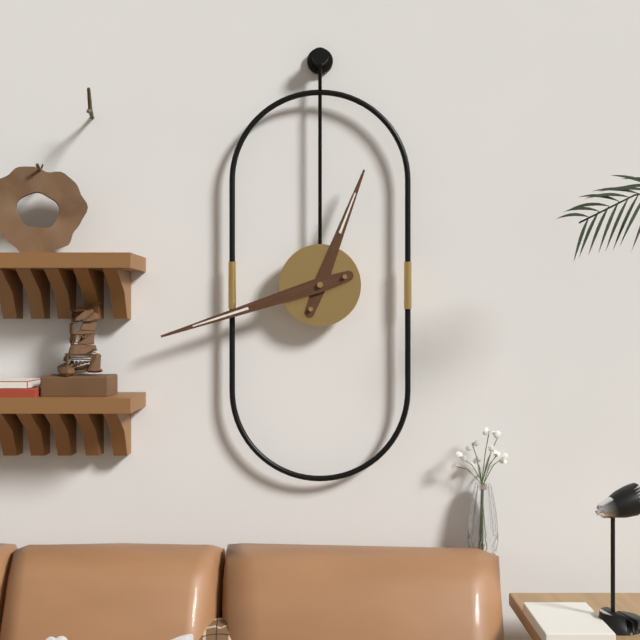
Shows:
{"hour": 12, "minute": 42}
